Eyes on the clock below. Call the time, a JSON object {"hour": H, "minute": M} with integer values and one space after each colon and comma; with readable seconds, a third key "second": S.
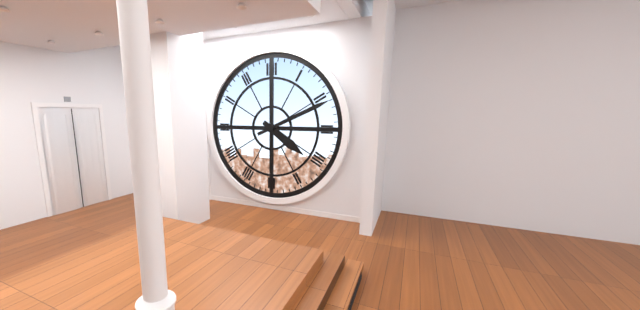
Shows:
{"hour": 4, "minute": 11}
